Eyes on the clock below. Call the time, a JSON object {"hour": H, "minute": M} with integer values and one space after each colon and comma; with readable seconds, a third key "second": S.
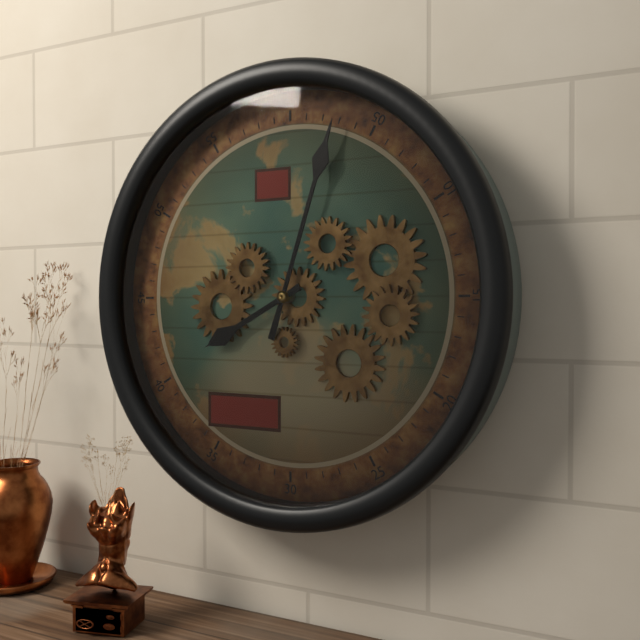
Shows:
{"hour": 8, "minute": 3}
